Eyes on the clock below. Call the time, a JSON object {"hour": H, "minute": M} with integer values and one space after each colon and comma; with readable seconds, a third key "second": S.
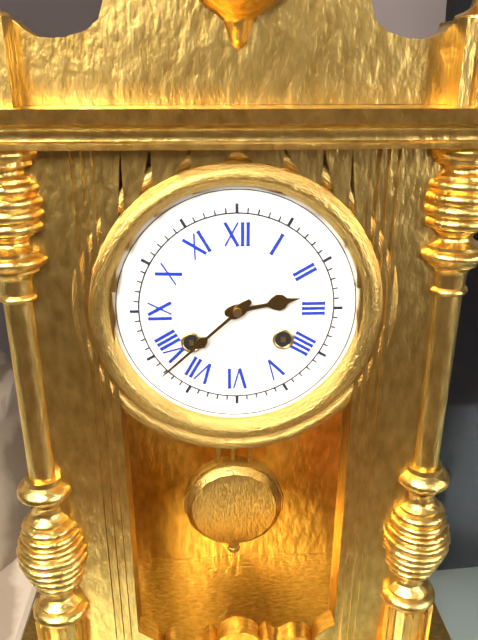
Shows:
{"hour": 2, "minute": 38}
